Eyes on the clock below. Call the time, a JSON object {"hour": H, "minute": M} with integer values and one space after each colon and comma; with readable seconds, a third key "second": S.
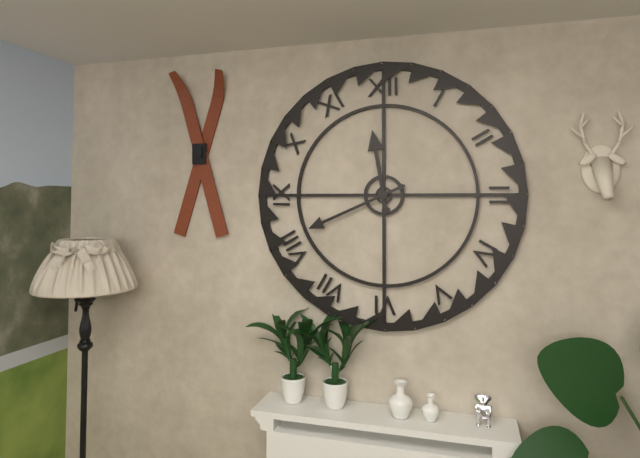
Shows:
{"hour": 11, "minute": 41}
